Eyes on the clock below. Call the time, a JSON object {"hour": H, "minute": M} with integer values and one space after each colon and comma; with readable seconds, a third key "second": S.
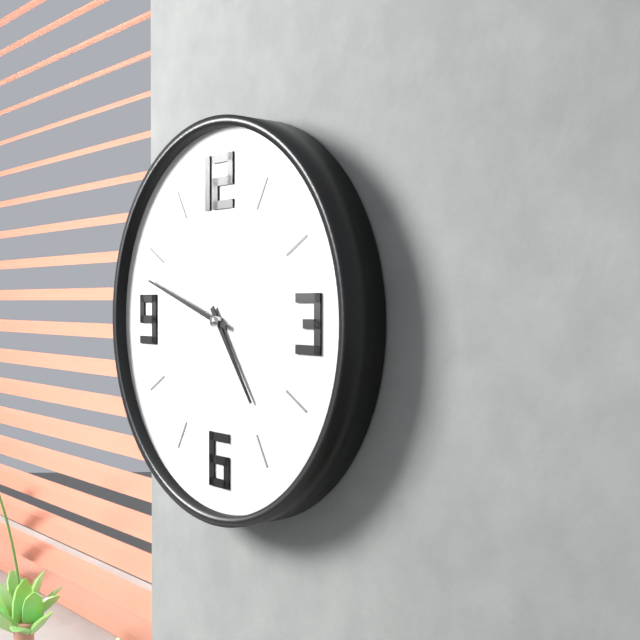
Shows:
{"hour": 4, "minute": 48}
